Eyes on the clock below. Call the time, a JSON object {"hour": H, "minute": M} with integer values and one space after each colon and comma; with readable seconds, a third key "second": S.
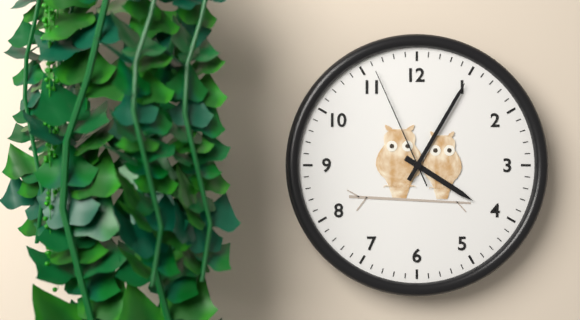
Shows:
{"hour": 4, "minute": 5, "second": 56}
